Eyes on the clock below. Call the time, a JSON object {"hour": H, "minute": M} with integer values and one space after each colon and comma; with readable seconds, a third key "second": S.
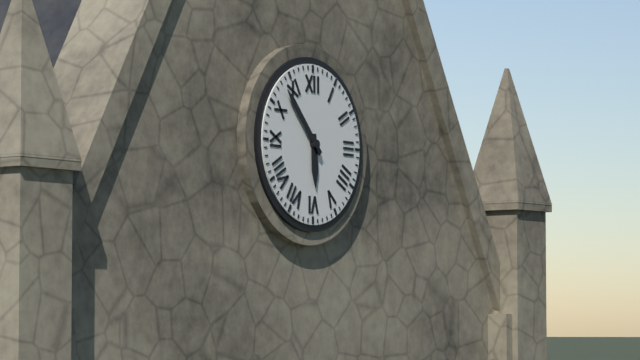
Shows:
{"hour": 5, "minute": 53}
